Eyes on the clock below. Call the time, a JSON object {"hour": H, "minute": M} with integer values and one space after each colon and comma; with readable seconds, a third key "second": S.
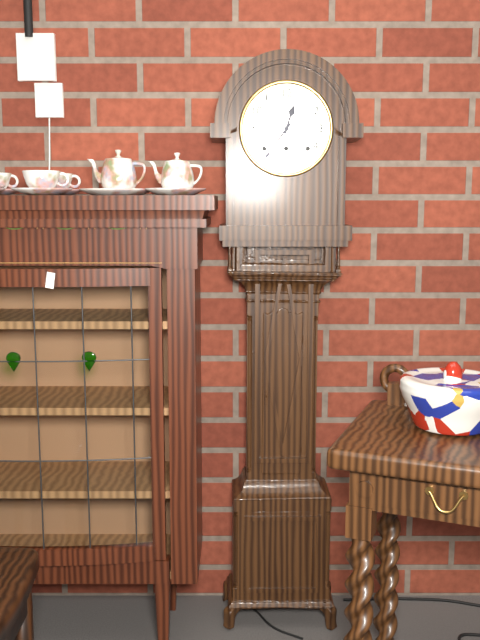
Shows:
{"hour": 12, "minute": 36}
